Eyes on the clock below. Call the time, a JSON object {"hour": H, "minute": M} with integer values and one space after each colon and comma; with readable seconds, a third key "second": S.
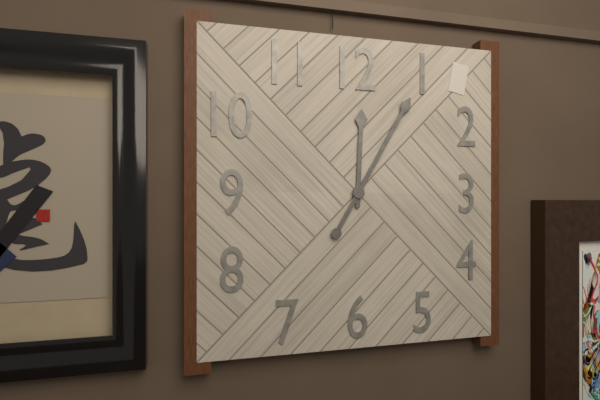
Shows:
{"hour": 12, "minute": 5}
